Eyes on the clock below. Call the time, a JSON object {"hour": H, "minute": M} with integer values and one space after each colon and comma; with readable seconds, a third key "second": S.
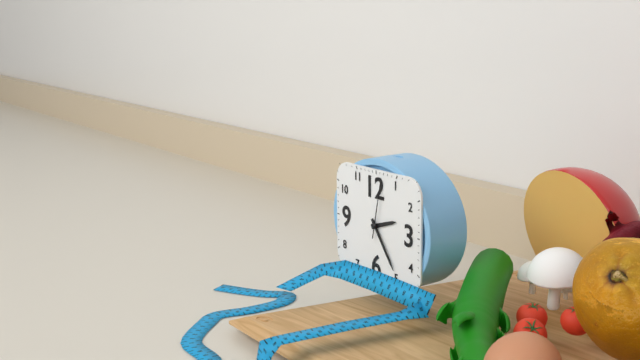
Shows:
{"hour": 2, "minute": 24, "second": 2}
